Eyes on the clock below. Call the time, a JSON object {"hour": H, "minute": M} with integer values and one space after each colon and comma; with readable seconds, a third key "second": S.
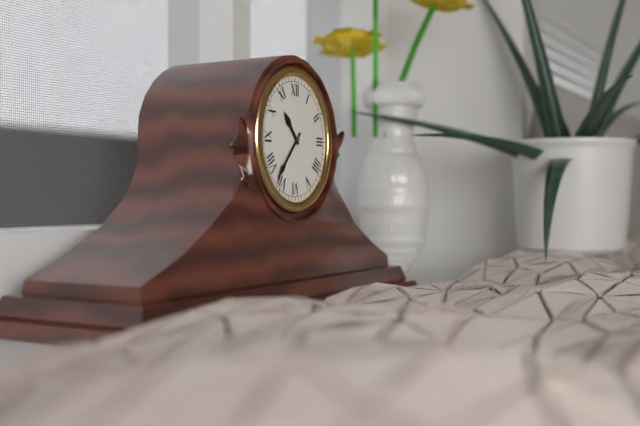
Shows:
{"hour": 10, "minute": 37}
